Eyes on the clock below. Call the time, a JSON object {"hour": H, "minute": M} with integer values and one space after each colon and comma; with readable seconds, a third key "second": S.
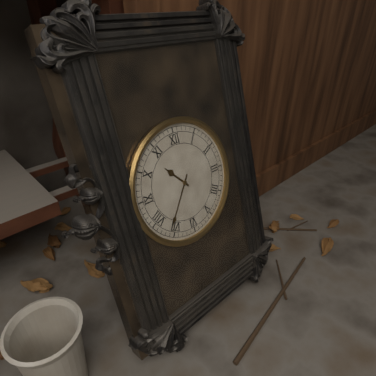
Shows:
{"hour": 10, "minute": 36}
